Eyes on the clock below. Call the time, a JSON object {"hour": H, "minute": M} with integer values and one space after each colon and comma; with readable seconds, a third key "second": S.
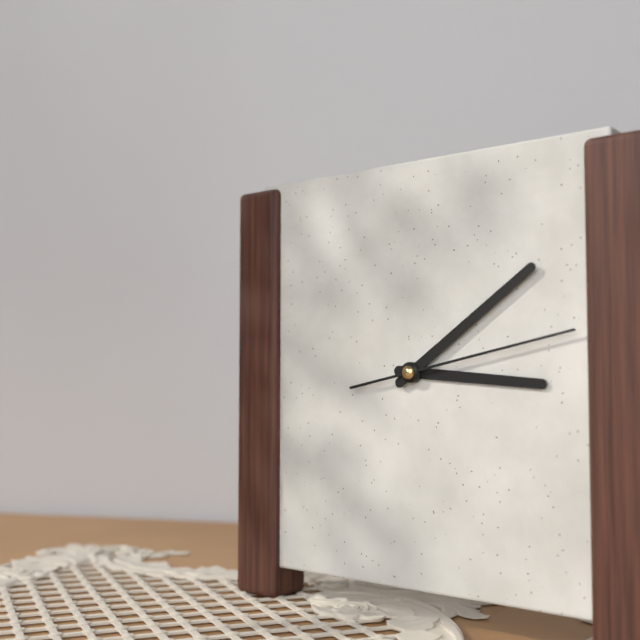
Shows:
{"hour": 3, "minute": 9, "second": 13}
